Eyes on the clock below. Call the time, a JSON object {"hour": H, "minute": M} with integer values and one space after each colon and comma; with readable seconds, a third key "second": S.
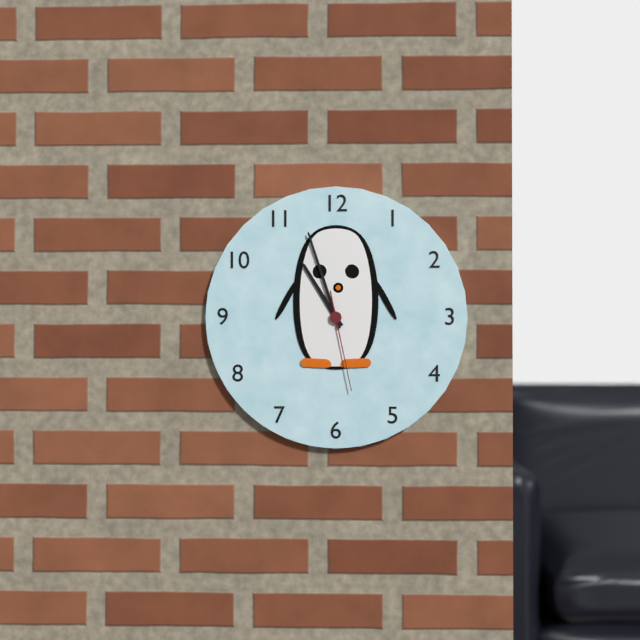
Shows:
{"hour": 10, "minute": 57, "second": 28}
